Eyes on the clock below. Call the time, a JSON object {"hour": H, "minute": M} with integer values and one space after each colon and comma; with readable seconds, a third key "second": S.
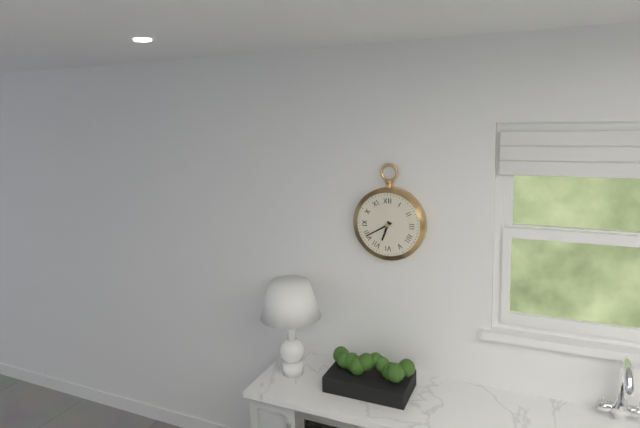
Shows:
{"hour": 6, "minute": 40}
